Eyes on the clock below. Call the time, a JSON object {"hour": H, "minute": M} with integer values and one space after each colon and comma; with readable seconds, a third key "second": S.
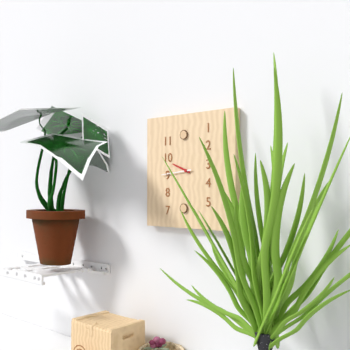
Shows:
{"hour": 9, "minute": 44}
